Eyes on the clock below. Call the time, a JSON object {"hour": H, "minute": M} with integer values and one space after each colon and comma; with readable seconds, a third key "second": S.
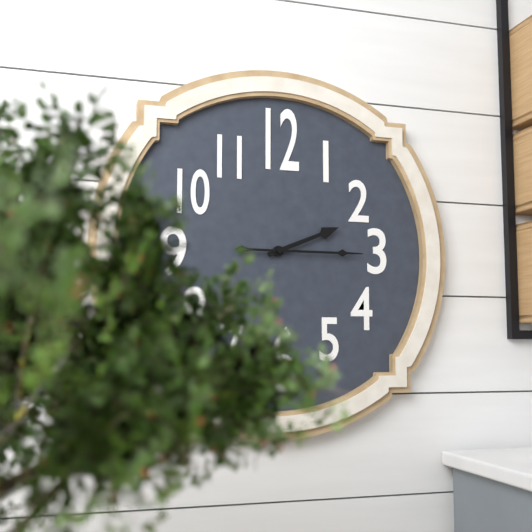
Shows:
{"hour": 2, "minute": 15}
